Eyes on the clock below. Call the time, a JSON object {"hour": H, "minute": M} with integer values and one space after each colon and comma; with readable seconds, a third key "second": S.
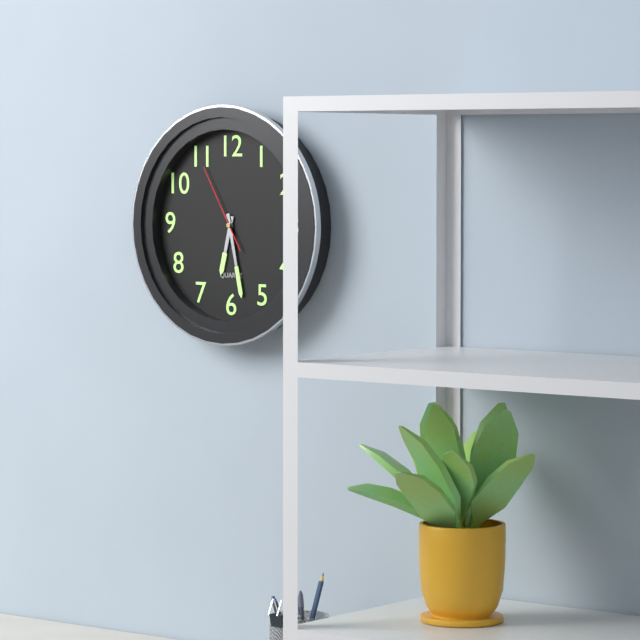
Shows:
{"hour": 6, "minute": 28, "second": 55}
